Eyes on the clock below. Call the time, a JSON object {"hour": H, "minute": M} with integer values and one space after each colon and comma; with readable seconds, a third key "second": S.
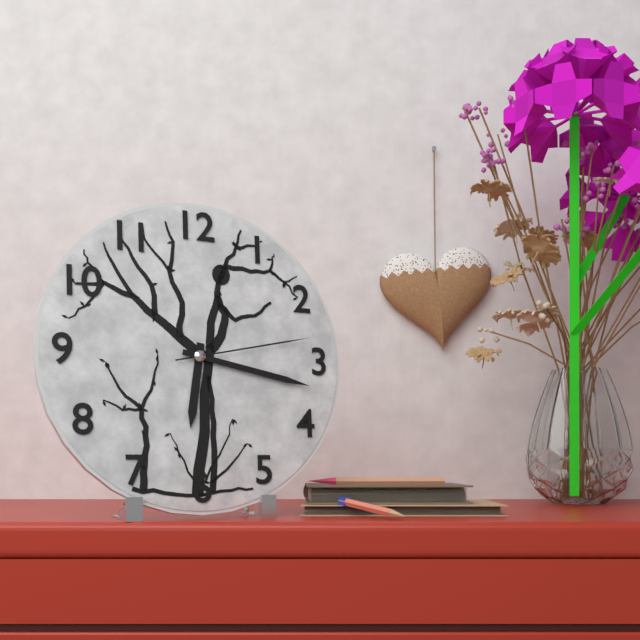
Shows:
{"hour": 6, "minute": 17, "second": 13}
